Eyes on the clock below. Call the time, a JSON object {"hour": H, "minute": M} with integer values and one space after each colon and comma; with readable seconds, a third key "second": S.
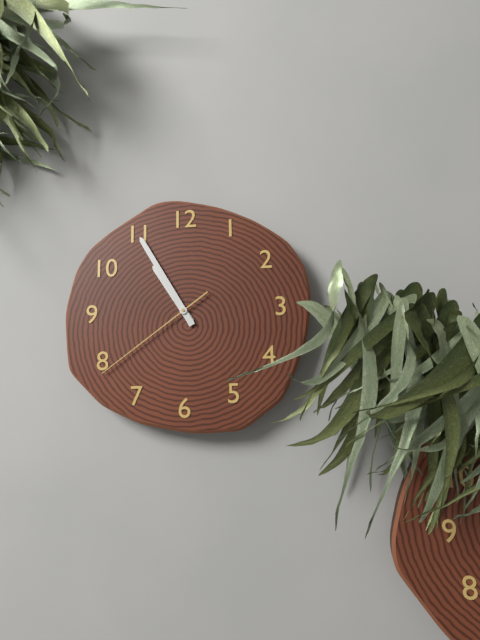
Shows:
{"hour": 10, "minute": 55, "second": 39}
